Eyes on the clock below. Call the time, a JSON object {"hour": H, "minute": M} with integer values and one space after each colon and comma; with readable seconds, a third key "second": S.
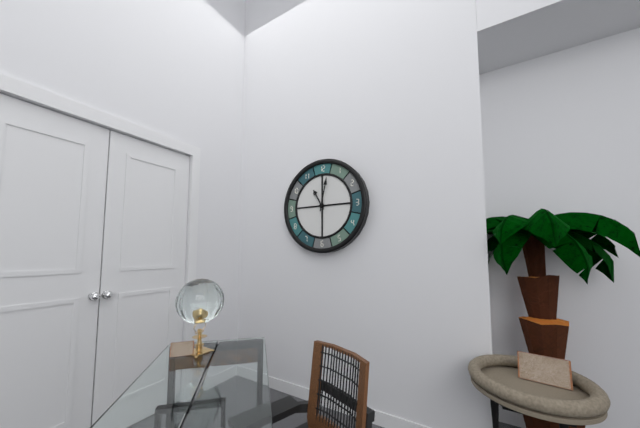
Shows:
{"hour": 11, "minute": 2}
